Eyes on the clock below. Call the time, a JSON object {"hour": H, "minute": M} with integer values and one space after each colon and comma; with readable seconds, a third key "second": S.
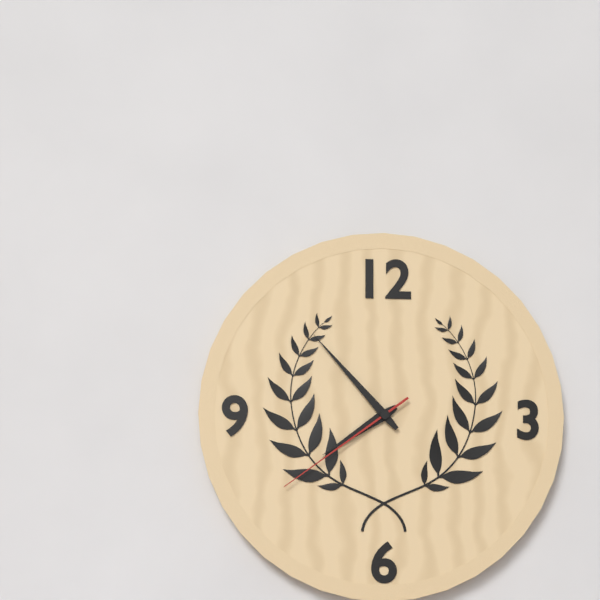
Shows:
{"hour": 7, "minute": 53, "second": 39}
